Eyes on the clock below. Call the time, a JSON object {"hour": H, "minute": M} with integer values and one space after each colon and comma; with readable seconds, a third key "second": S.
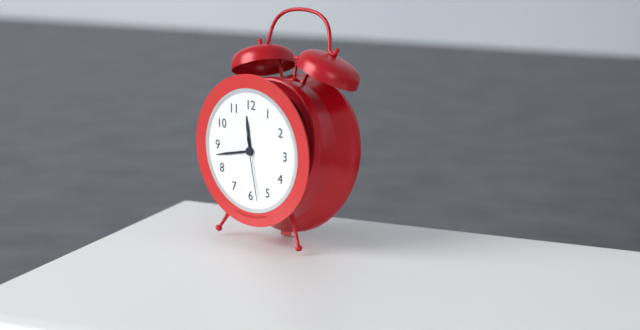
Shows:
{"hour": 11, "minute": 43, "second": 28}
